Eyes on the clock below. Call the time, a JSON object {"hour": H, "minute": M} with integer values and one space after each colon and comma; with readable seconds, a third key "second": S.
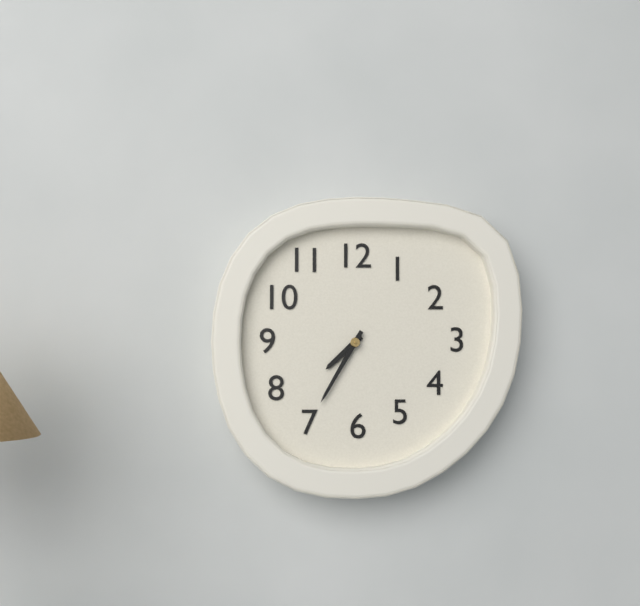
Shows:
{"hour": 7, "minute": 35}
